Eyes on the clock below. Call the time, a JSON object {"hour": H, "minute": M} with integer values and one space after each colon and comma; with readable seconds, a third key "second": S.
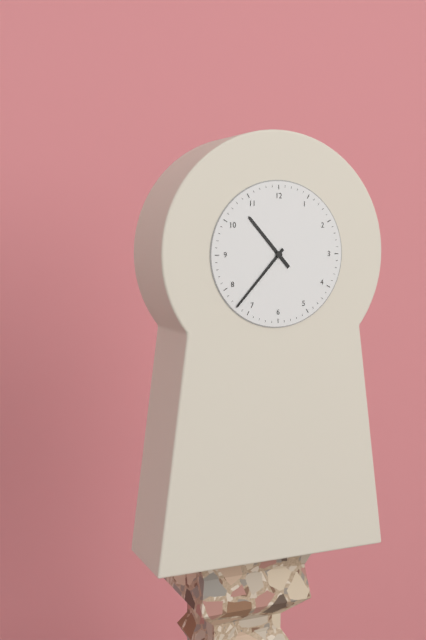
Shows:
{"hour": 10, "minute": 37}
